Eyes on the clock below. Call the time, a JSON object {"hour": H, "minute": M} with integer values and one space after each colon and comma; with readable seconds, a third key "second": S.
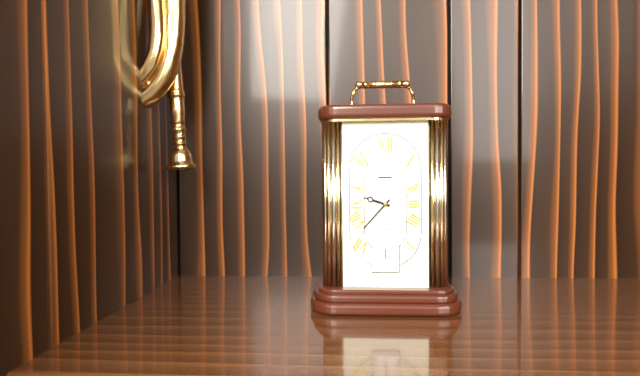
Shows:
{"hour": 9, "minute": 37}
